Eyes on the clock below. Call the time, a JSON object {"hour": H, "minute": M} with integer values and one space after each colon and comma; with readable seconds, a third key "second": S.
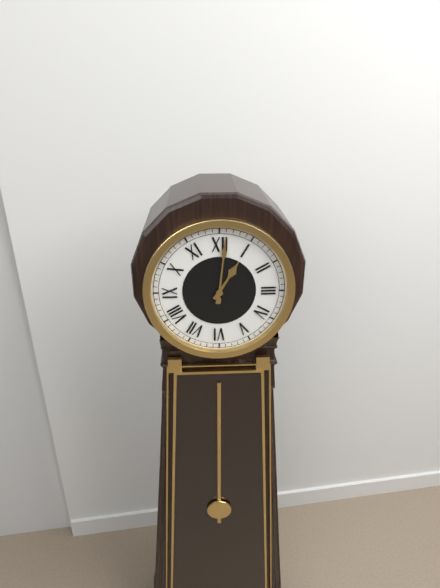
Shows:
{"hour": 1, "minute": 1}
